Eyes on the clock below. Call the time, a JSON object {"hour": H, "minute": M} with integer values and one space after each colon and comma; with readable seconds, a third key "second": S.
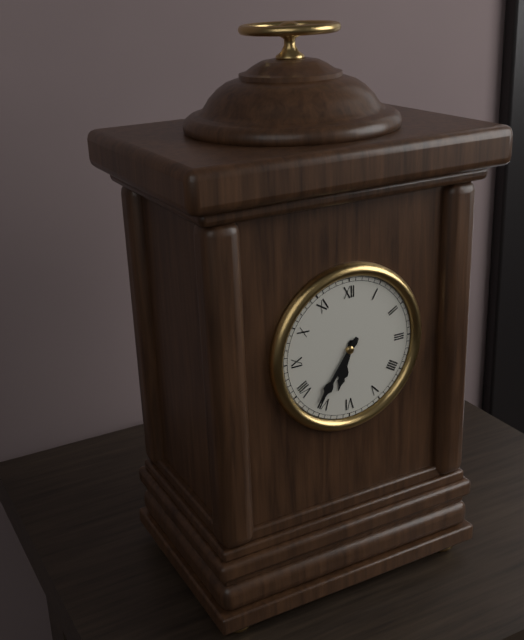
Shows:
{"hour": 6, "minute": 36}
